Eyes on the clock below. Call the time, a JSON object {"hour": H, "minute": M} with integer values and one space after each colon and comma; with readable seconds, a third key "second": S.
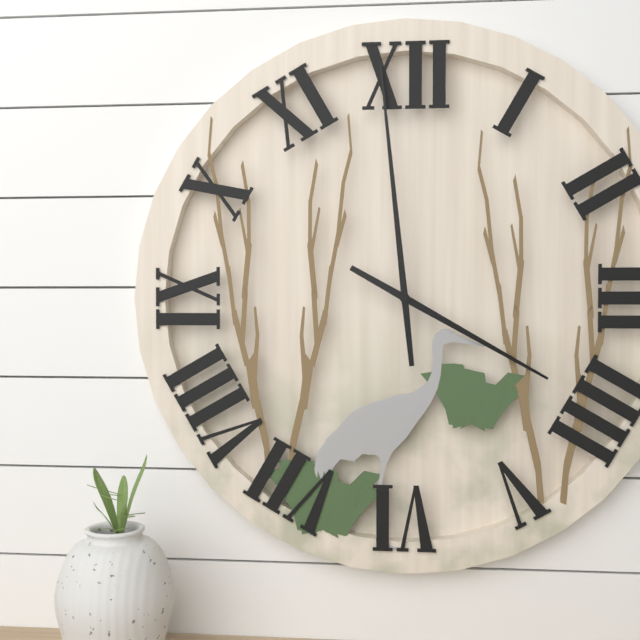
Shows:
{"hour": 3, "minute": 59}
